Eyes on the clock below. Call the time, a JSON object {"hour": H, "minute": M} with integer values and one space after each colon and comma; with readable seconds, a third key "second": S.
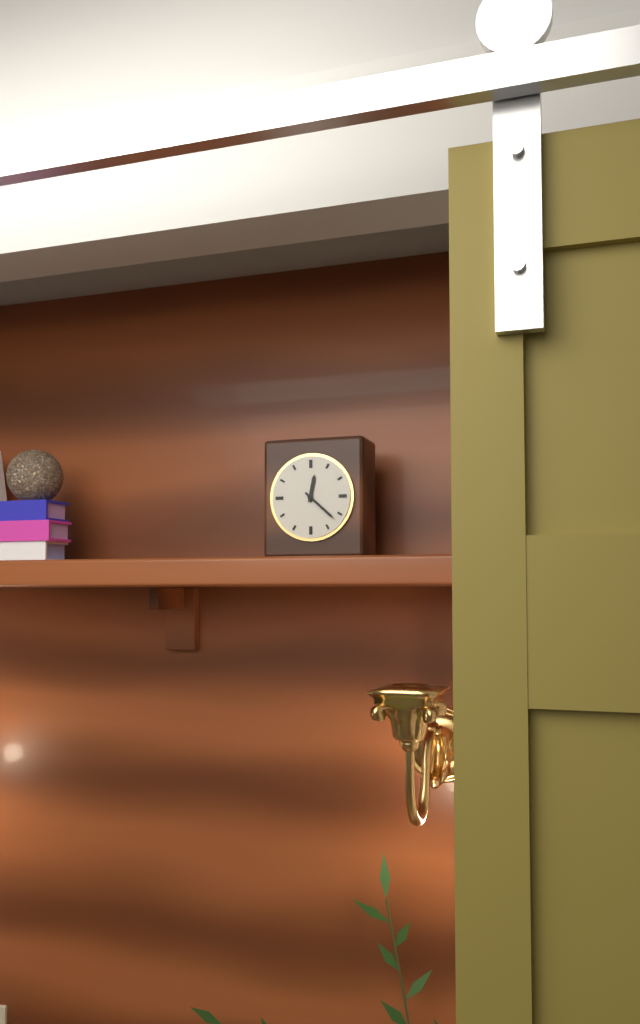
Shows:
{"hour": 12, "minute": 22}
